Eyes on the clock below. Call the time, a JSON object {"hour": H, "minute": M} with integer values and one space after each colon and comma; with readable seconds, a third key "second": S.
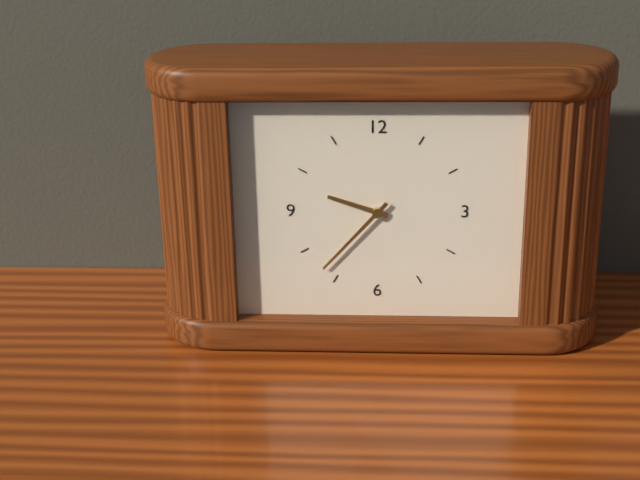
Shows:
{"hour": 9, "minute": 37}
